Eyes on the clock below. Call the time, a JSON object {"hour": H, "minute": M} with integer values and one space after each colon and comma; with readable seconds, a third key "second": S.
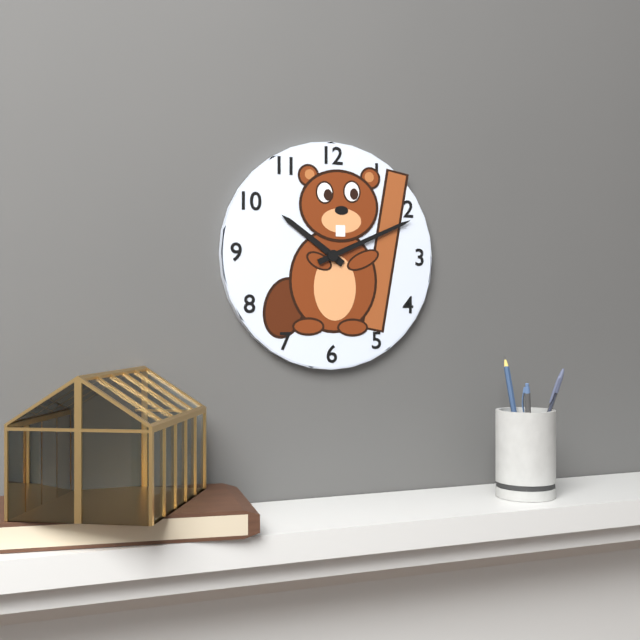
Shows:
{"hour": 10, "minute": 11}
